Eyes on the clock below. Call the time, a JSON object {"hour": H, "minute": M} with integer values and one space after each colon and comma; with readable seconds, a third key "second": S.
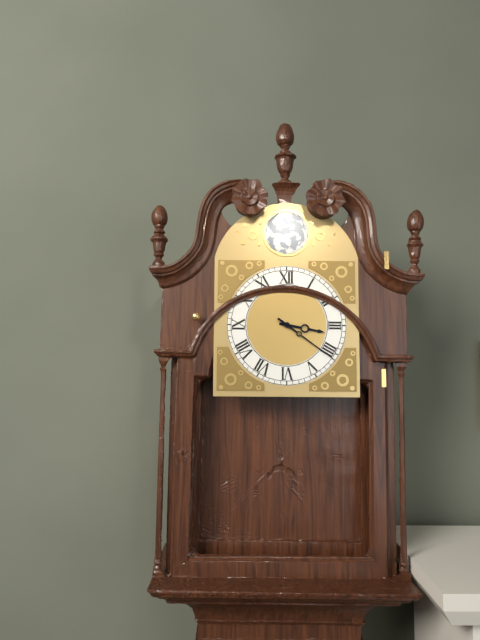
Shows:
{"hour": 3, "minute": 21}
